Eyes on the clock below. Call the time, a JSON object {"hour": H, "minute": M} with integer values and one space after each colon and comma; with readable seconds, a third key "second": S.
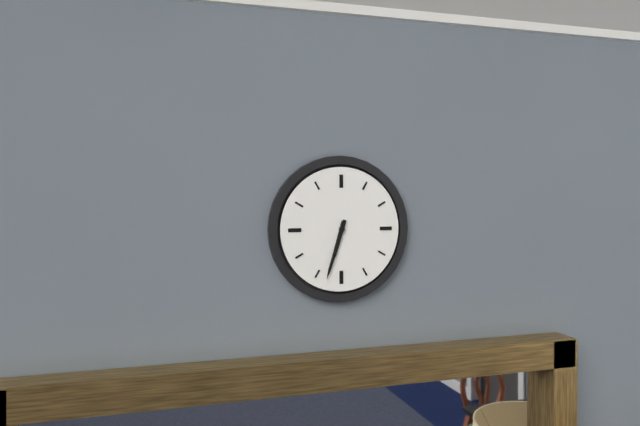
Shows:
{"hour": 6, "minute": 33}
